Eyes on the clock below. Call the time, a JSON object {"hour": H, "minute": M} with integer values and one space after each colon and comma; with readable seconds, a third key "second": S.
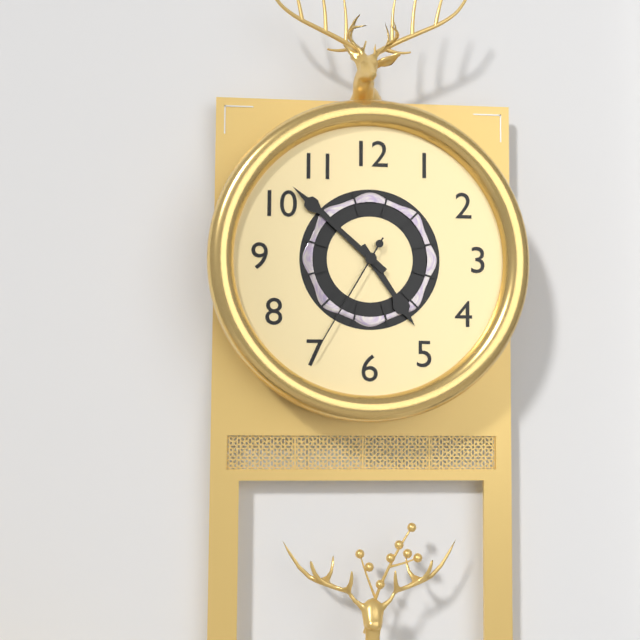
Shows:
{"hour": 4, "minute": 52, "second": 35}
